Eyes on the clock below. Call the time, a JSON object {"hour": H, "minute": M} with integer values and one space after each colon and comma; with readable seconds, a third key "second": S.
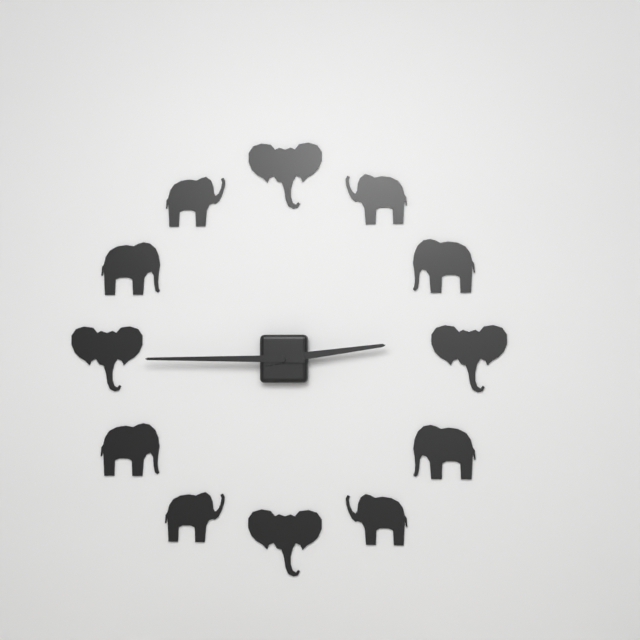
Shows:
{"hour": 2, "minute": 45}
